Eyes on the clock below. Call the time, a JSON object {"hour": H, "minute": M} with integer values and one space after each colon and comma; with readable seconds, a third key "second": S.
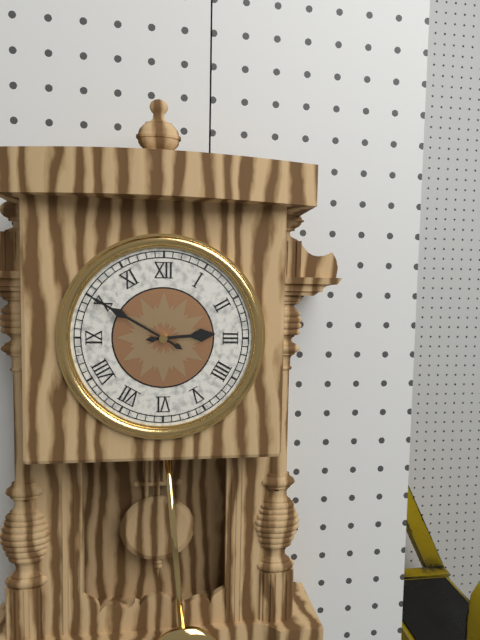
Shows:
{"hour": 2, "minute": 50}
